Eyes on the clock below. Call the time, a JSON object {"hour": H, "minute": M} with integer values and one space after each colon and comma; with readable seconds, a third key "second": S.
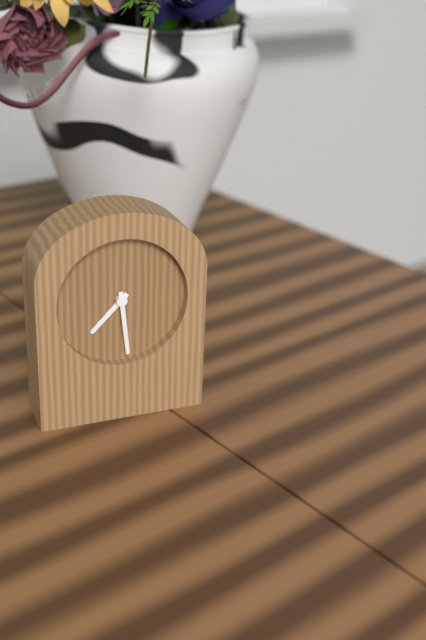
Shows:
{"hour": 7, "minute": 29}
